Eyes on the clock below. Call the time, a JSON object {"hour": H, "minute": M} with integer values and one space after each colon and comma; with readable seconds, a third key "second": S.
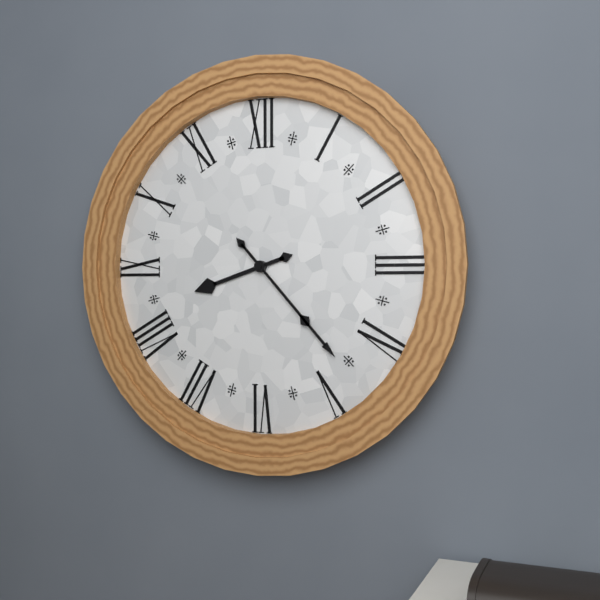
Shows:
{"hour": 8, "minute": 23}
